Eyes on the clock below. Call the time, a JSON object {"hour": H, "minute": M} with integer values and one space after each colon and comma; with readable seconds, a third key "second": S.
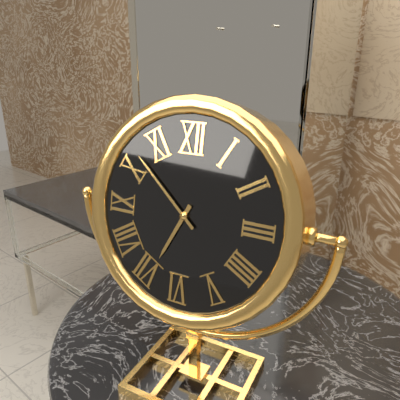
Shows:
{"hour": 6, "minute": 52}
